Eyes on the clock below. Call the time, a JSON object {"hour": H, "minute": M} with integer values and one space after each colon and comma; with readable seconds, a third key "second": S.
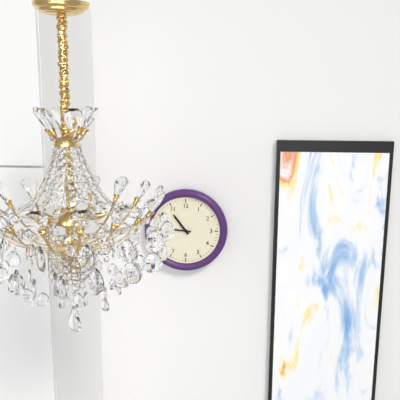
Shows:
{"hour": 10, "minute": 46}
